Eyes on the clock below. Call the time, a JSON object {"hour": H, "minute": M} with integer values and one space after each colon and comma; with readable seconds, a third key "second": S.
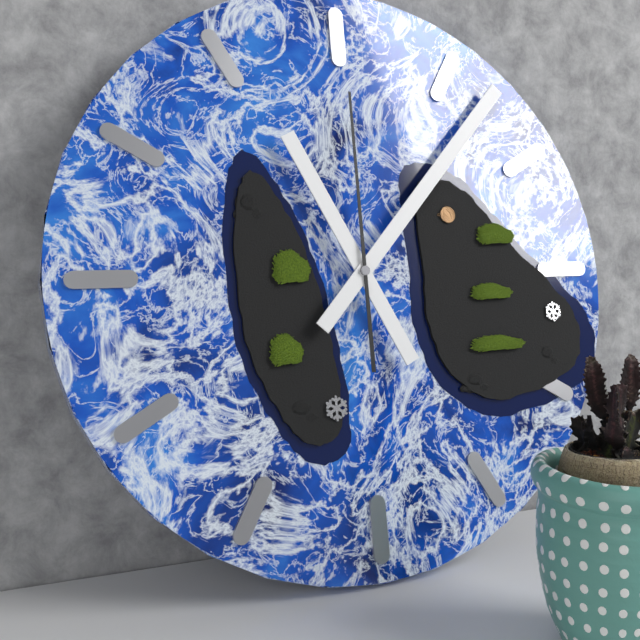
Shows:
{"hour": 11, "minute": 7, "second": 0}
